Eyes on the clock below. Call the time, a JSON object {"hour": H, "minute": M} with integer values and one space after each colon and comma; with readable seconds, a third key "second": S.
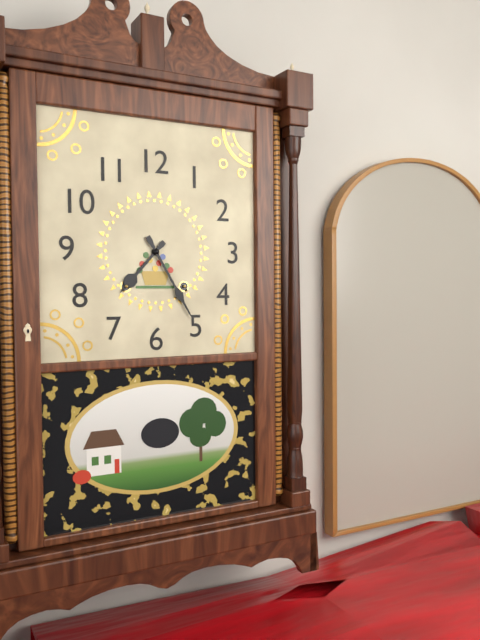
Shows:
{"hour": 7, "minute": 25}
